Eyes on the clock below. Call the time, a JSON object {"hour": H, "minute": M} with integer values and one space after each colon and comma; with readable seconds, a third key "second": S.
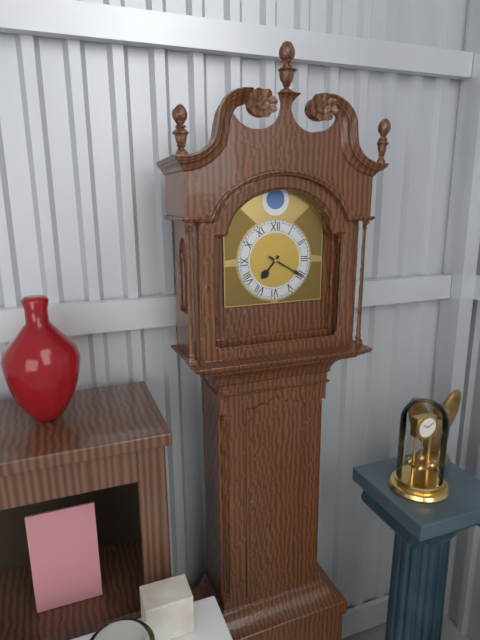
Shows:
{"hour": 7, "minute": 20}
